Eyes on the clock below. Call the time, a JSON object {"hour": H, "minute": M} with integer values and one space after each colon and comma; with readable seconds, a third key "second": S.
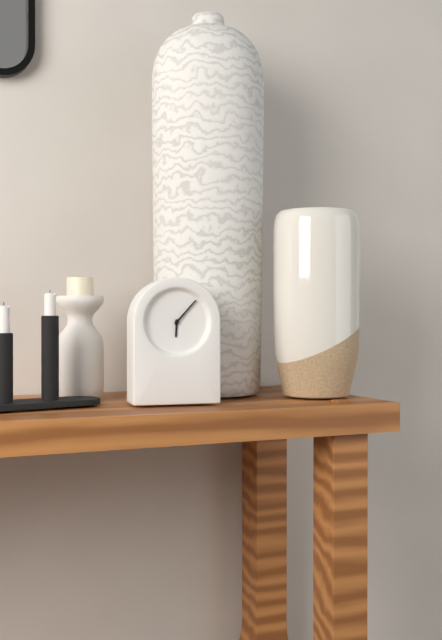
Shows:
{"hour": 6, "minute": 7}
